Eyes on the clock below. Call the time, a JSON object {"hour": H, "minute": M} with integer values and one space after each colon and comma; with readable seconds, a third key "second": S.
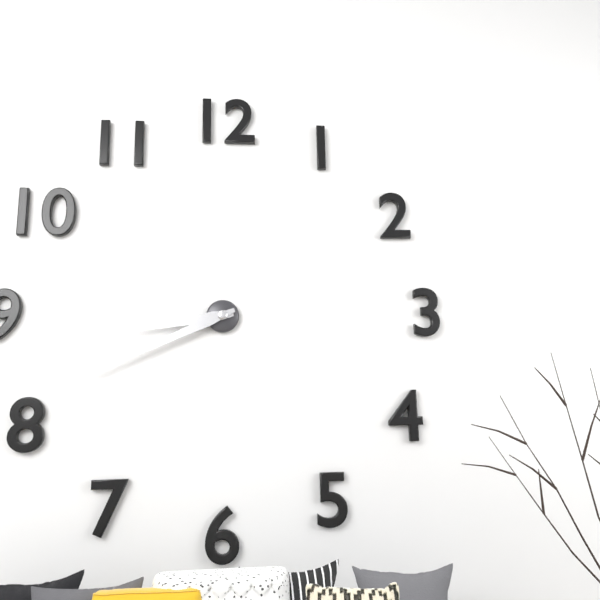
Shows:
{"hour": 8, "minute": 41}
